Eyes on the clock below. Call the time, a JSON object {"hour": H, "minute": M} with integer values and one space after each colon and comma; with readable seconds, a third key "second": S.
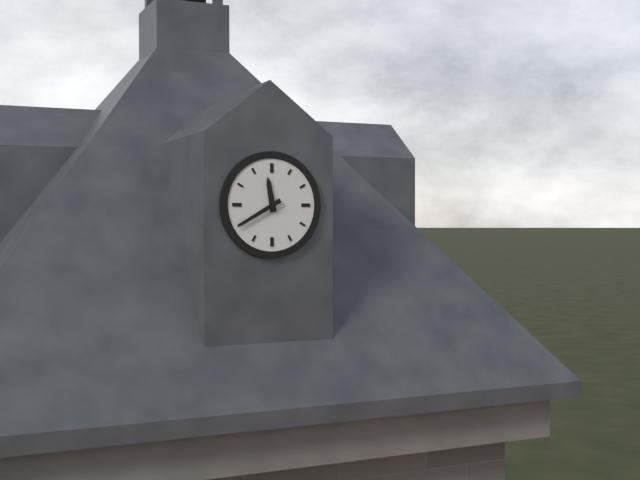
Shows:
{"hour": 11, "minute": 40}
